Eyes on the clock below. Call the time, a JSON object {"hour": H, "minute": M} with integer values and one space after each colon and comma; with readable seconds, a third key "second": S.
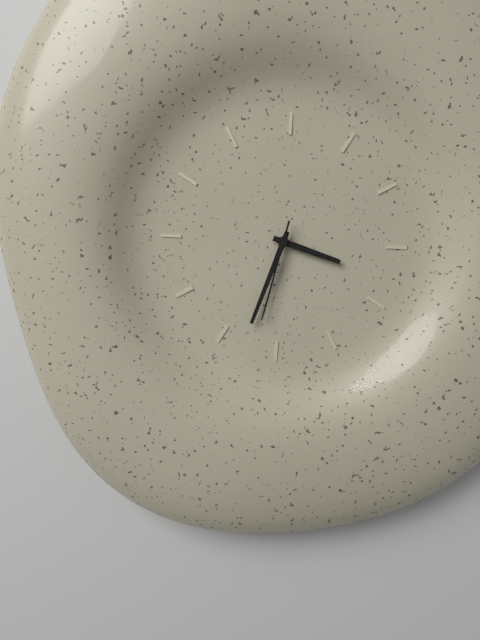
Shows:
{"hour": 3, "minute": 33, "second": 32}
